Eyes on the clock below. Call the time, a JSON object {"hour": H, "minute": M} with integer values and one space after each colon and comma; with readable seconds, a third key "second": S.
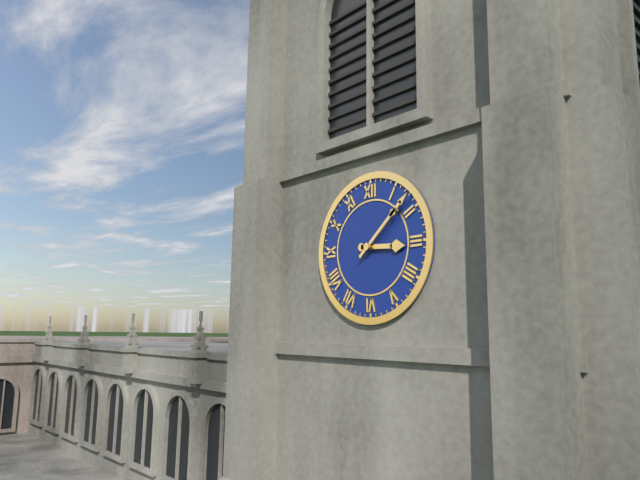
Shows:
{"hour": 3, "minute": 8}
